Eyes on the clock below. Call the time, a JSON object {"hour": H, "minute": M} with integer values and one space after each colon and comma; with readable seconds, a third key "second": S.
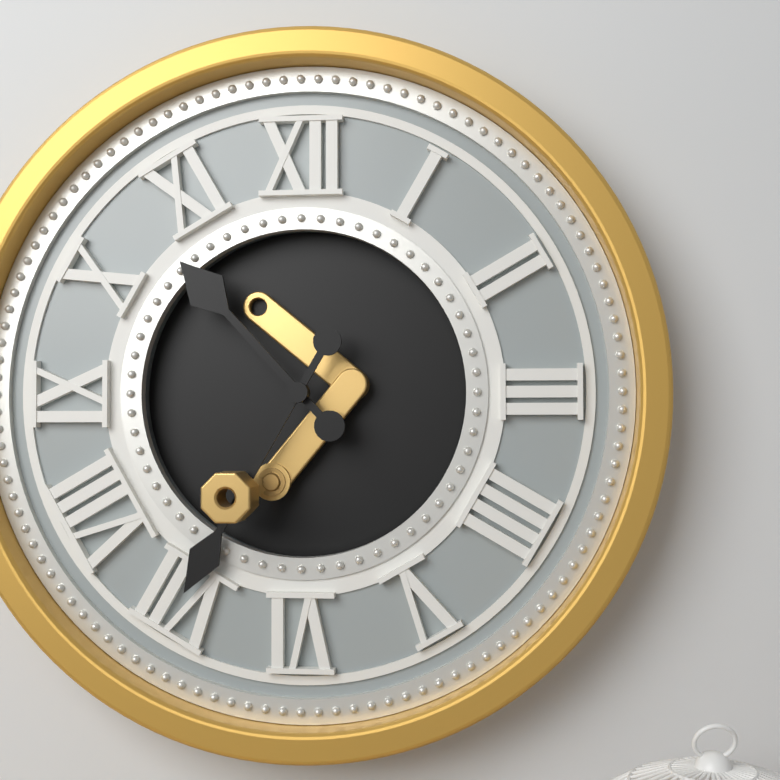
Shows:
{"hour": 10, "minute": 35}
